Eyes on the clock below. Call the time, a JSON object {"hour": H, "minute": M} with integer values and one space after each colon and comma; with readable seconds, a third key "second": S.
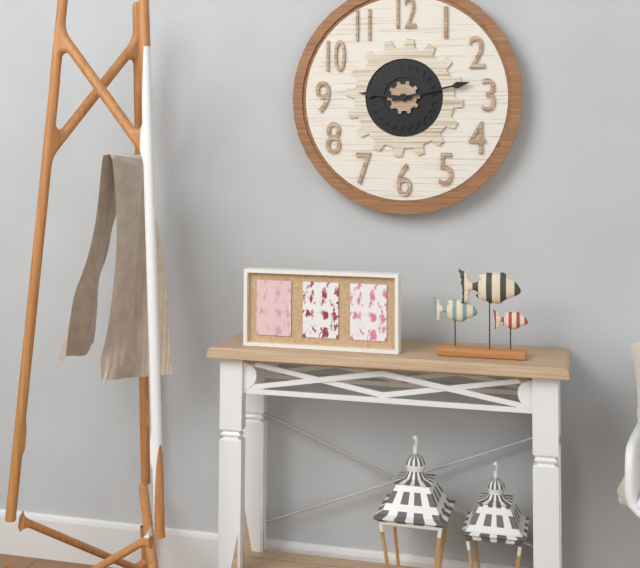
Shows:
{"hour": 9, "minute": 13}
